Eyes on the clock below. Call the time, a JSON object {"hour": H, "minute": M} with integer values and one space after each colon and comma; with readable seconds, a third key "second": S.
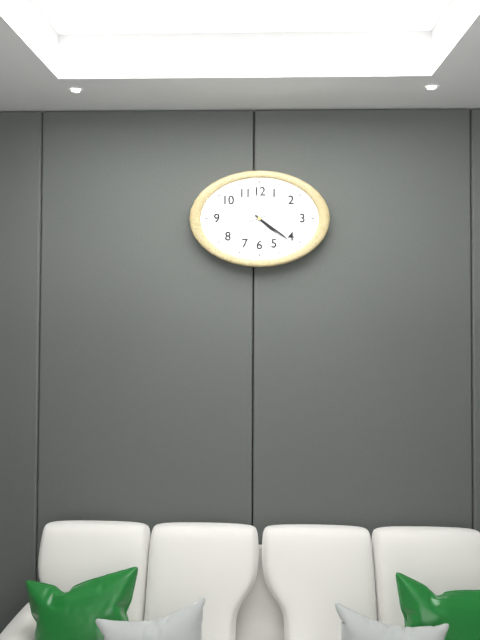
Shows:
{"hour": 4, "minute": 21}
